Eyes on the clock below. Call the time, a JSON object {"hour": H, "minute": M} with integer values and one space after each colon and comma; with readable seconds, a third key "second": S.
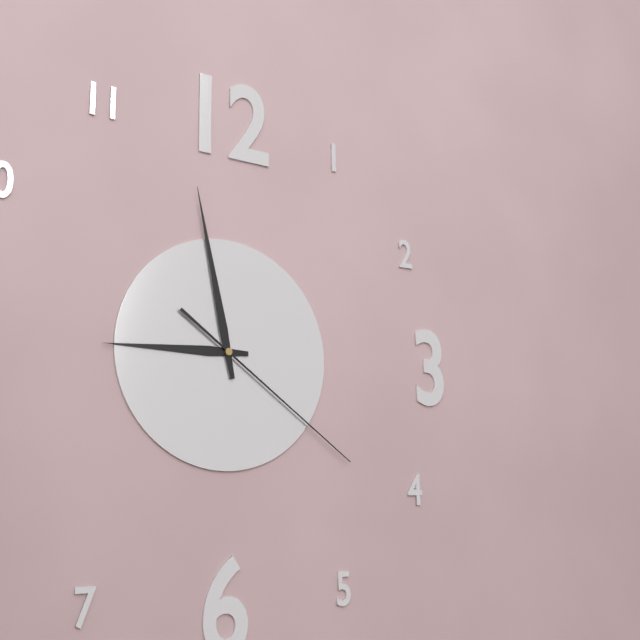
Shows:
{"hour": 8, "minute": 58, "second": 21}
